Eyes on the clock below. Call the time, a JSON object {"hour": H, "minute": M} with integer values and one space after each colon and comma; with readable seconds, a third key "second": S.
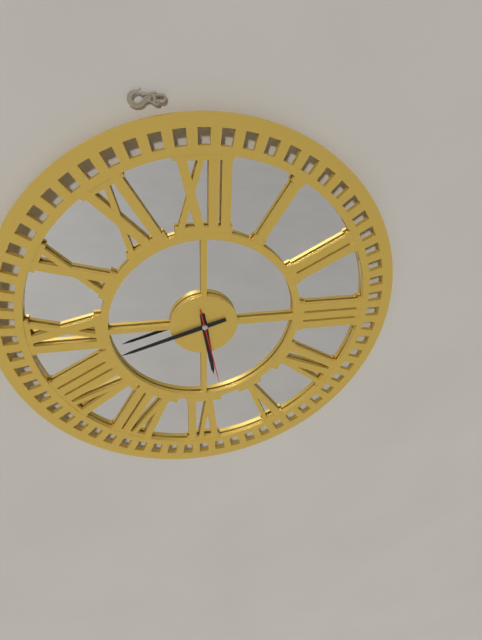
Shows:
{"hour": 5, "minute": 42, "second": 28}
